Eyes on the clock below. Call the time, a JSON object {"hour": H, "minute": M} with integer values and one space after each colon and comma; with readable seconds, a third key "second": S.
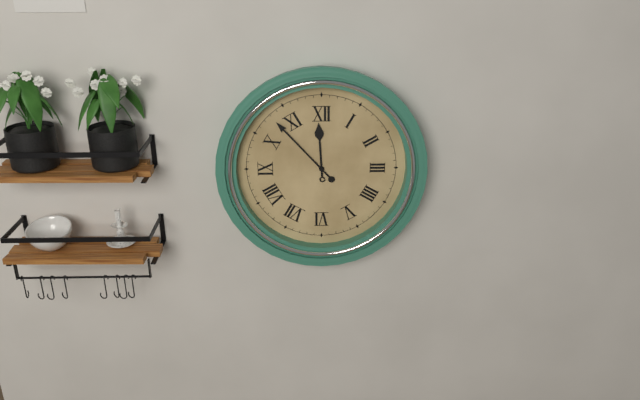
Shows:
{"hour": 11, "minute": 53}
